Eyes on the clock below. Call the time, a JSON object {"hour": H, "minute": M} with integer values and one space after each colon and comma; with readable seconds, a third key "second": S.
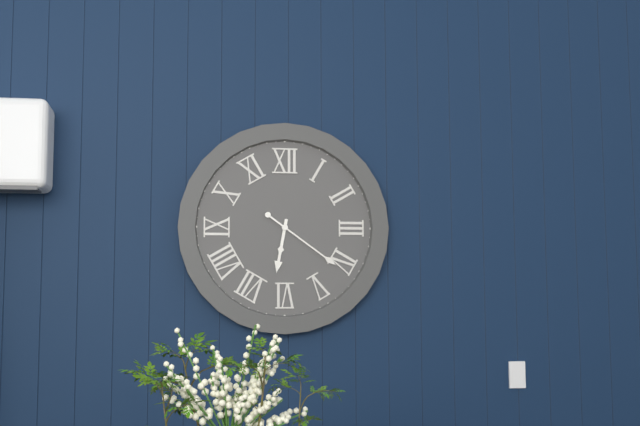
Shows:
{"hour": 6, "minute": 21}
